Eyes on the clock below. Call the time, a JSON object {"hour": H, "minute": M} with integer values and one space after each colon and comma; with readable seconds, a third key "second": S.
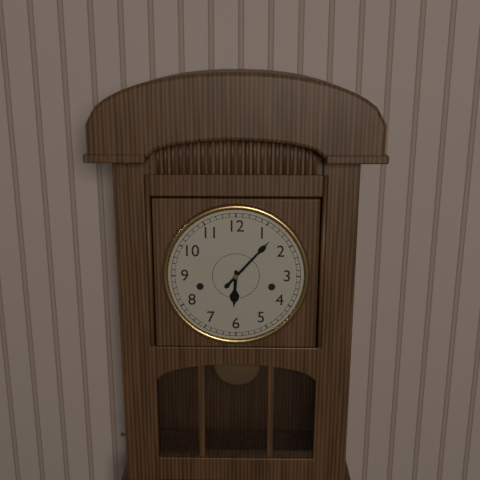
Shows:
{"hour": 6, "minute": 7}
